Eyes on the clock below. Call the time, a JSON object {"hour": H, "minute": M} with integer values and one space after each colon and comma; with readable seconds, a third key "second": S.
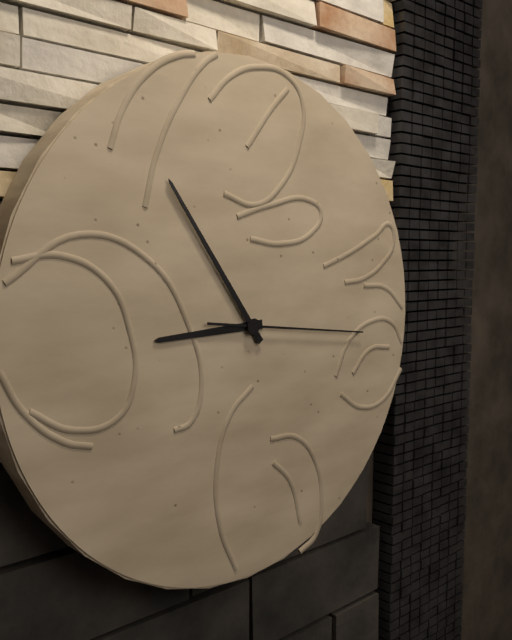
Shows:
{"hour": 8, "minute": 54, "second": 16}
